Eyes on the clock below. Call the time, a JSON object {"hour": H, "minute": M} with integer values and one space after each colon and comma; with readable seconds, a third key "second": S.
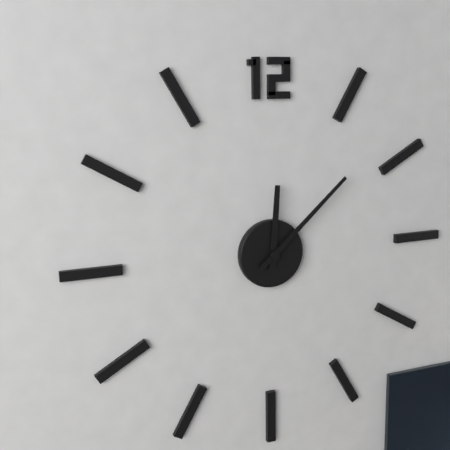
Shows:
{"hour": 12, "minute": 8}
